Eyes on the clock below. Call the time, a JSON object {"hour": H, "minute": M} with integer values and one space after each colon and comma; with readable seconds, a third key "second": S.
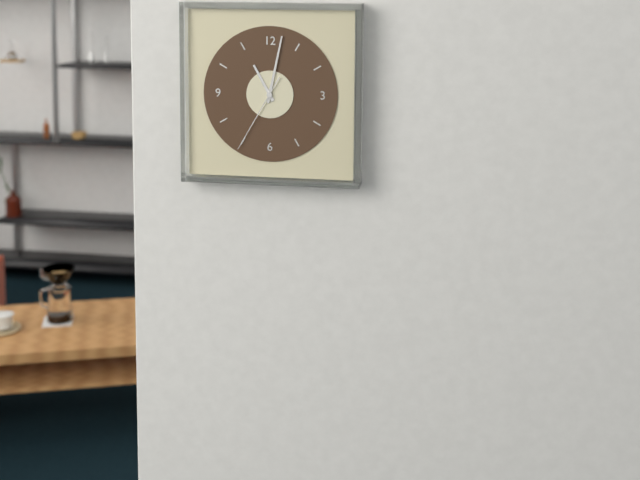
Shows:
{"hour": 11, "minute": 2, "second": 35}
